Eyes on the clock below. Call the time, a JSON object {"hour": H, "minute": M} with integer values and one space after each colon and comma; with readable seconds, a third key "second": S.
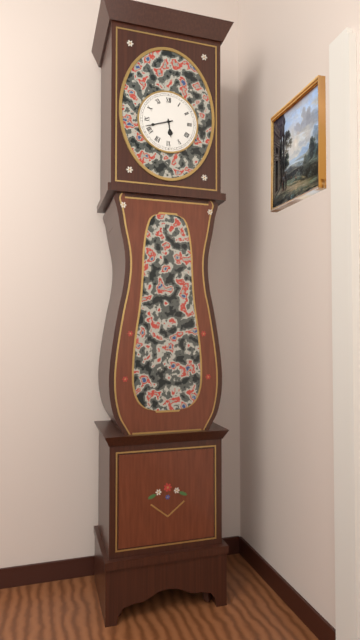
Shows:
{"hour": 5, "minute": 42}
